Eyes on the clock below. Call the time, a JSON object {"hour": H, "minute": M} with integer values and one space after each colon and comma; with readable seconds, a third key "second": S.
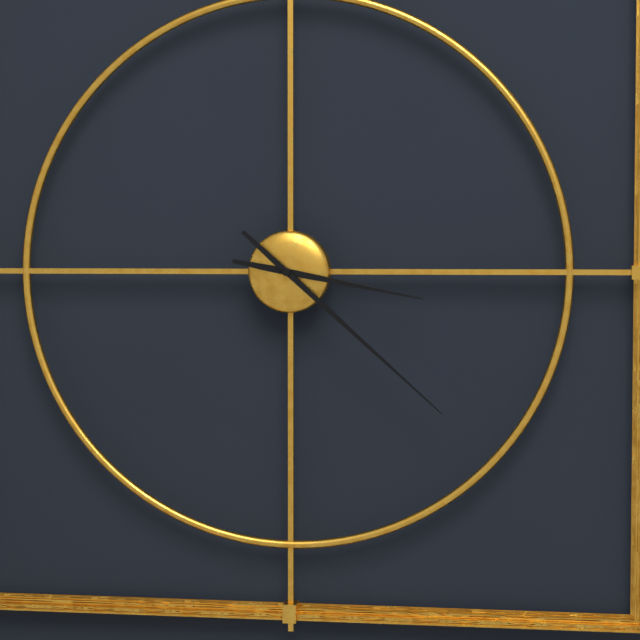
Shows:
{"hour": 3, "minute": 22}
